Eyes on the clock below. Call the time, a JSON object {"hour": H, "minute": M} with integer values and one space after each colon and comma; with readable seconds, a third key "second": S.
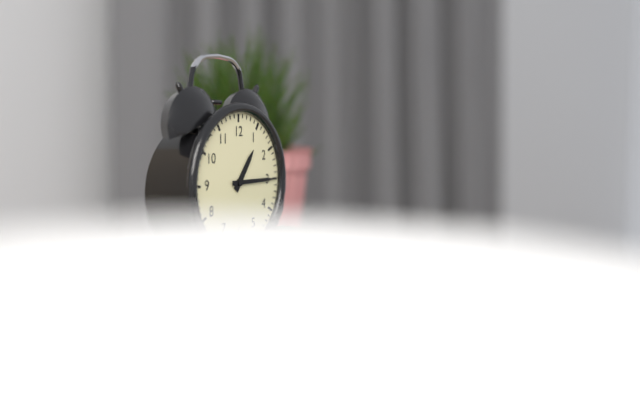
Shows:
{"hour": 1, "minute": 15}
